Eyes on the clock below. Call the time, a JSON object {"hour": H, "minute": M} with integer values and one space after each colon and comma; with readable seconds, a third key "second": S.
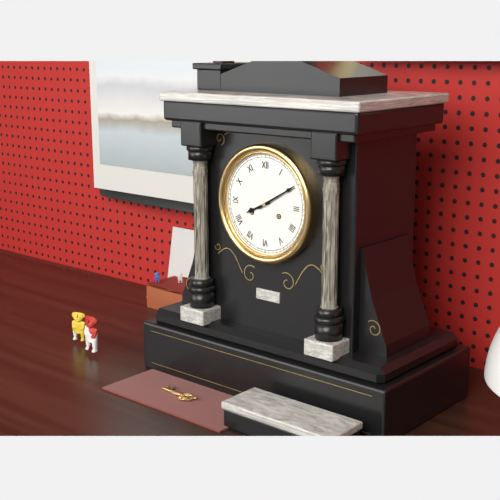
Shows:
{"hour": 8, "minute": 10}
